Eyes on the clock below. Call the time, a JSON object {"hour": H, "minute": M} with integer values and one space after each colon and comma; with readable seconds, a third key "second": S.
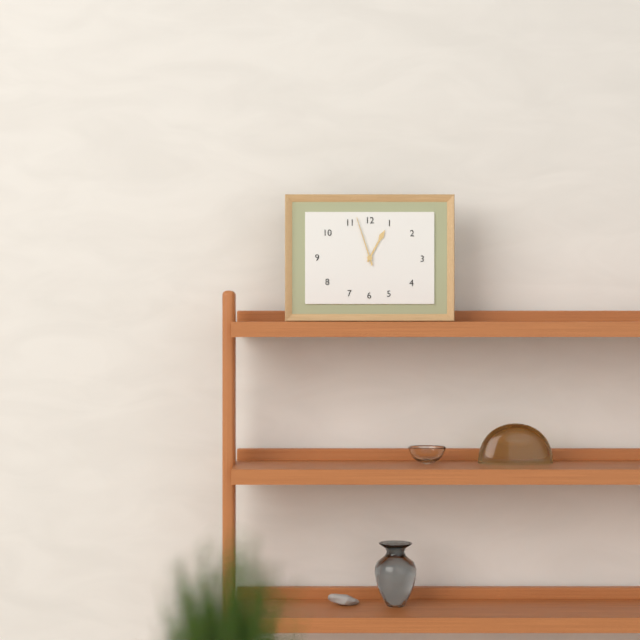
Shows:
{"hour": 12, "minute": 57}
